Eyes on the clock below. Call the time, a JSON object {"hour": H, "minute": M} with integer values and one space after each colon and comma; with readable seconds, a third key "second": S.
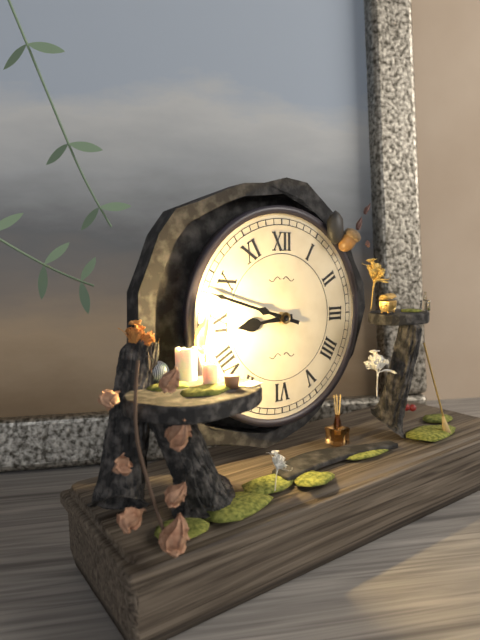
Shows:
{"hour": 8, "minute": 48}
